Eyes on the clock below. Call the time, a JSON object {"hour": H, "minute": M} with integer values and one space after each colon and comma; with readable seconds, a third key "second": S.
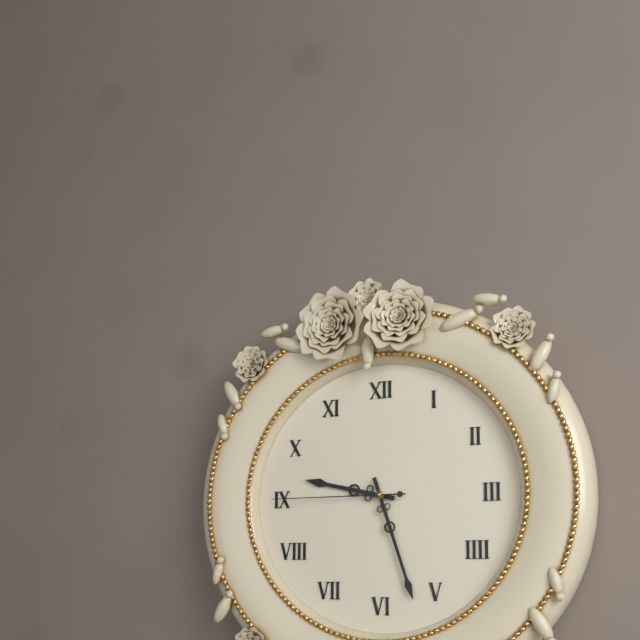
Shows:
{"hour": 9, "minute": 27, "second": 45}
